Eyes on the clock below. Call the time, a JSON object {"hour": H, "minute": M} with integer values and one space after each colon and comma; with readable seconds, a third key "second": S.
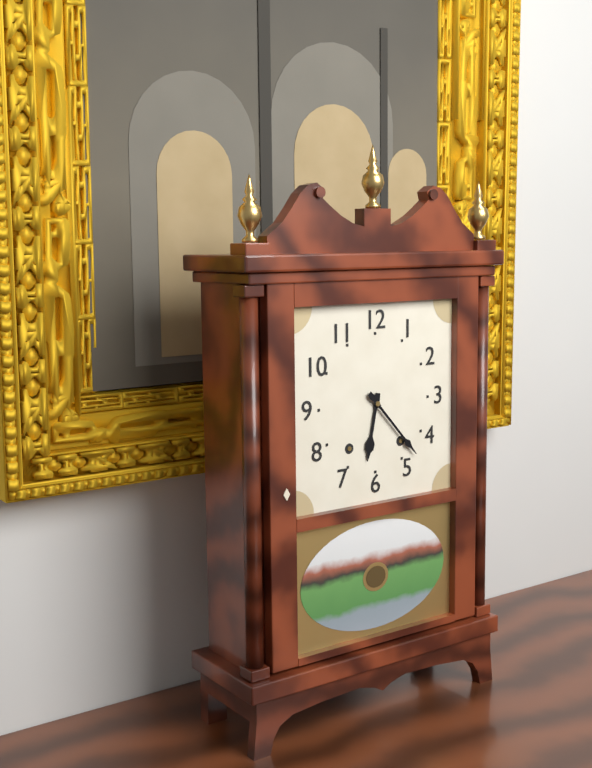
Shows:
{"hour": 6, "minute": 23}
